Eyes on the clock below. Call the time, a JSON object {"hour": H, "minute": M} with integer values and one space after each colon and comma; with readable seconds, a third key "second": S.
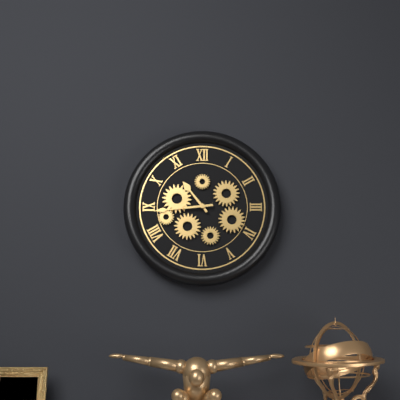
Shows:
{"hour": 10, "minute": 44}
